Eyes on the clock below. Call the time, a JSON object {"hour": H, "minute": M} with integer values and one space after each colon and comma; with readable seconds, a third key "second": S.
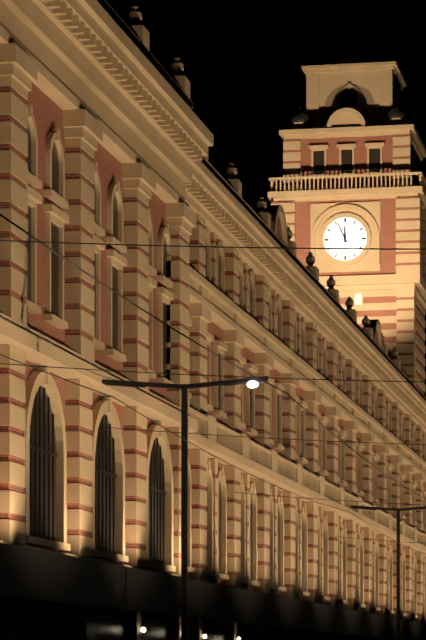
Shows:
{"hour": 11, "minute": 56}
